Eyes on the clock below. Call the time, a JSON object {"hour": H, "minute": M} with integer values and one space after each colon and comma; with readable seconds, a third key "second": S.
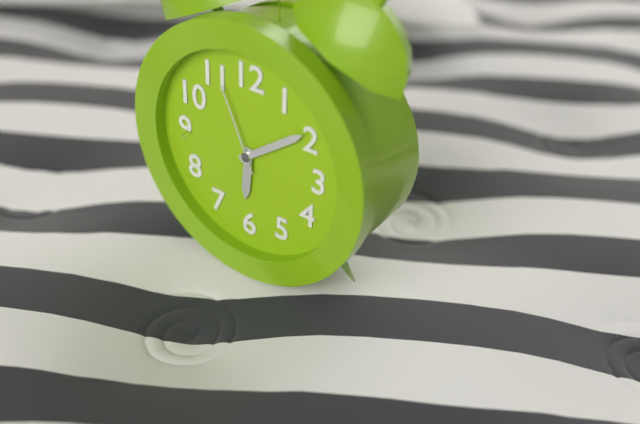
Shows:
{"hour": 6, "minute": 9, "second": 56}
